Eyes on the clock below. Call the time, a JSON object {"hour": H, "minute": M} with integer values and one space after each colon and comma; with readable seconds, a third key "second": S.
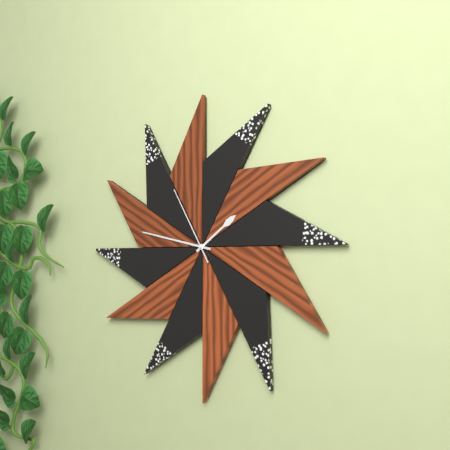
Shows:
{"hour": 1, "minute": 47, "second": 55}
